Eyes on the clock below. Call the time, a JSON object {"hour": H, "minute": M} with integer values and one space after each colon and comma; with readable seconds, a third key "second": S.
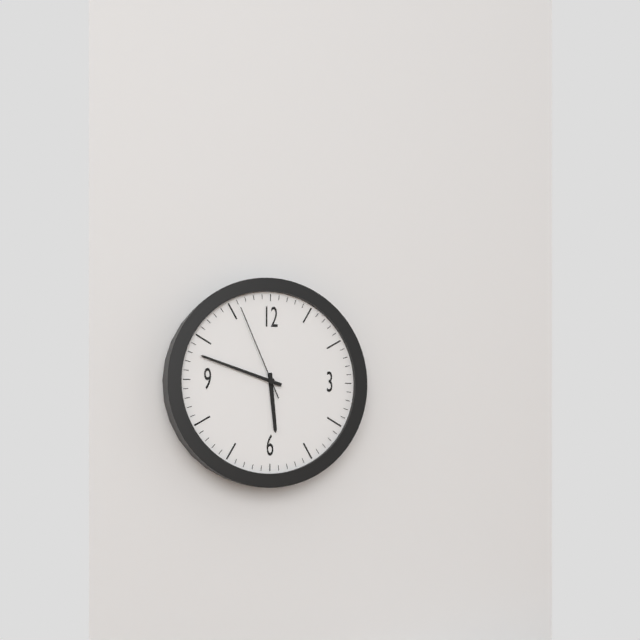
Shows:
{"hour": 5, "minute": 48, "second": 56}
